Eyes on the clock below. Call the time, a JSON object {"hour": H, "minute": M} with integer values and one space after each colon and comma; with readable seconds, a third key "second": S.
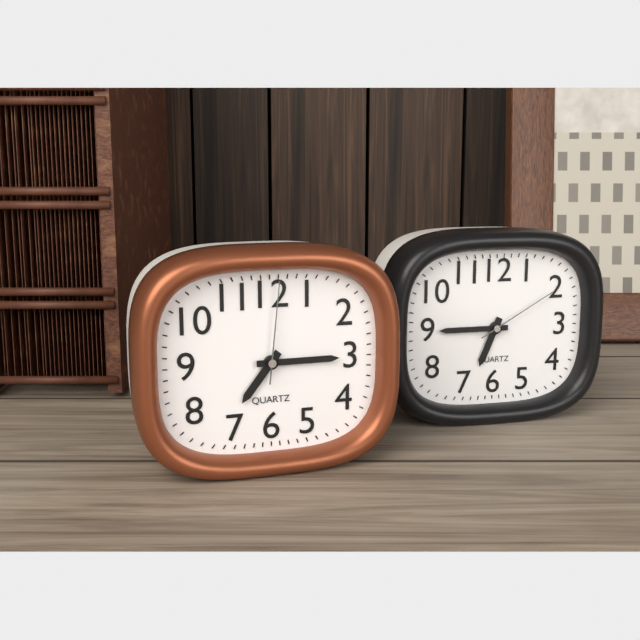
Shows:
{"hour": 7, "minute": 15, "second": 1}
